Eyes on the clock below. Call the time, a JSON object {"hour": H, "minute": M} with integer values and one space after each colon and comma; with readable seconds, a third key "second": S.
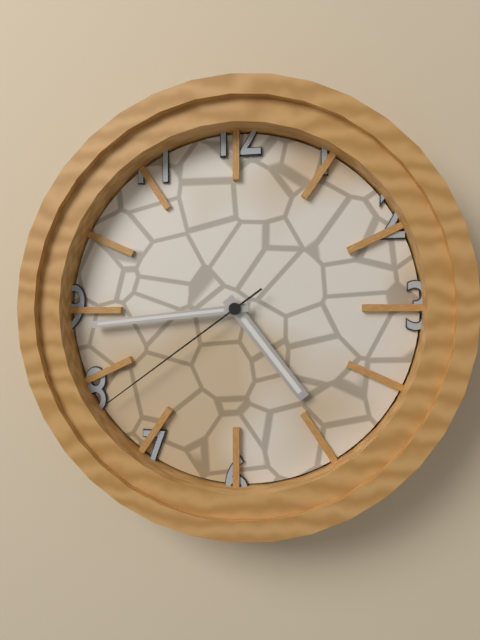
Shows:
{"hour": 4, "minute": 44, "second": 39}
